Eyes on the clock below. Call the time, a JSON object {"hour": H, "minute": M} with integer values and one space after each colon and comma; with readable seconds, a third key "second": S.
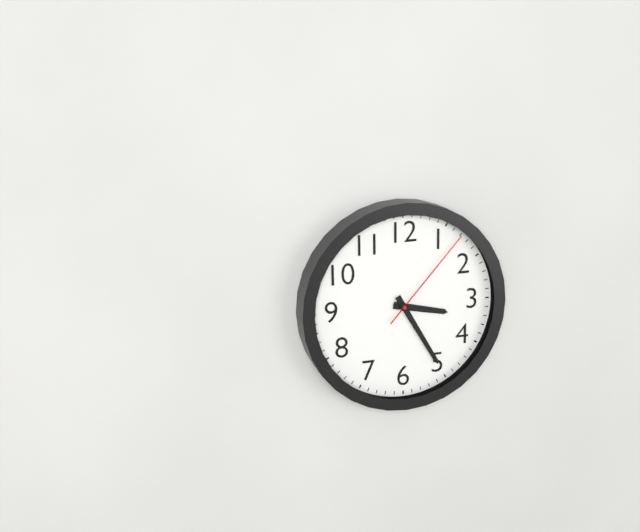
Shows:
{"hour": 3, "minute": 25, "second": 7}
